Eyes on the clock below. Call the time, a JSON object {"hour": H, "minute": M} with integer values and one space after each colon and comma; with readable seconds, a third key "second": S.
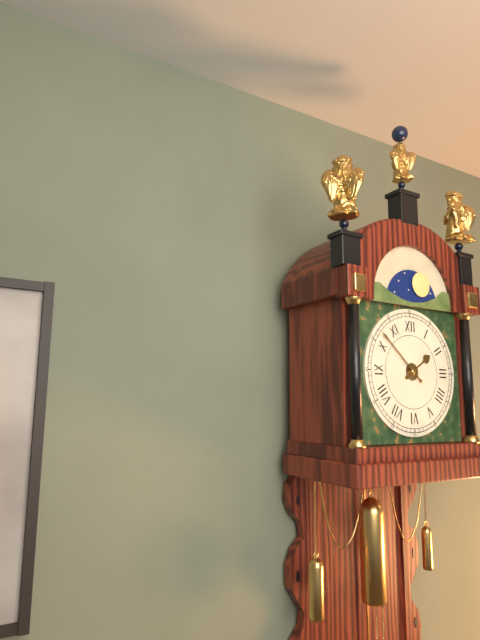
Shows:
{"hour": 1, "minute": 52}
